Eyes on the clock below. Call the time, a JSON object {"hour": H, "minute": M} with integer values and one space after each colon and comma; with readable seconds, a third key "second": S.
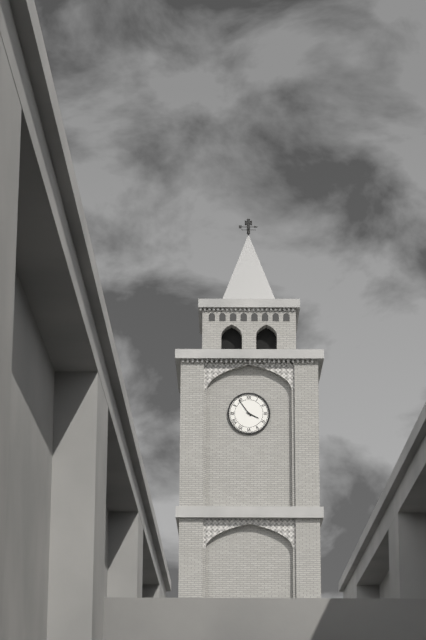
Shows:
{"hour": 3, "minute": 54}
